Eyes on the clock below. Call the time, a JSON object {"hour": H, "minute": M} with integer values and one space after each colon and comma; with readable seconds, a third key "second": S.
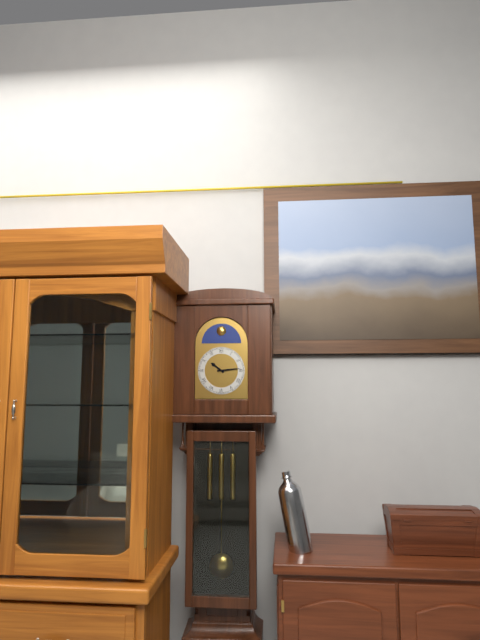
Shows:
{"hour": 10, "minute": 14}
